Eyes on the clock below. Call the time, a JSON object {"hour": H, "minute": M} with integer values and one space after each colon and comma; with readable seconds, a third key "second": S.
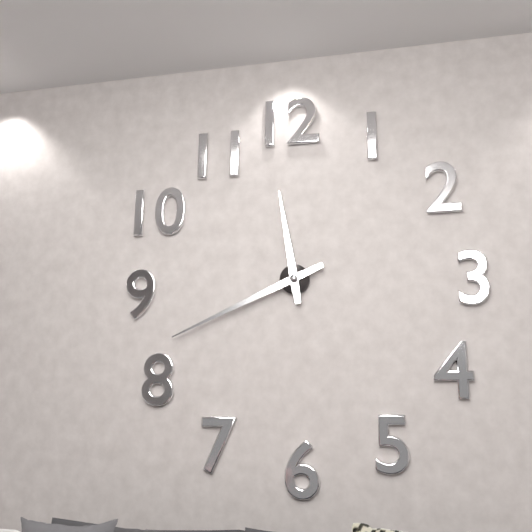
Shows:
{"hour": 11, "minute": 41}
